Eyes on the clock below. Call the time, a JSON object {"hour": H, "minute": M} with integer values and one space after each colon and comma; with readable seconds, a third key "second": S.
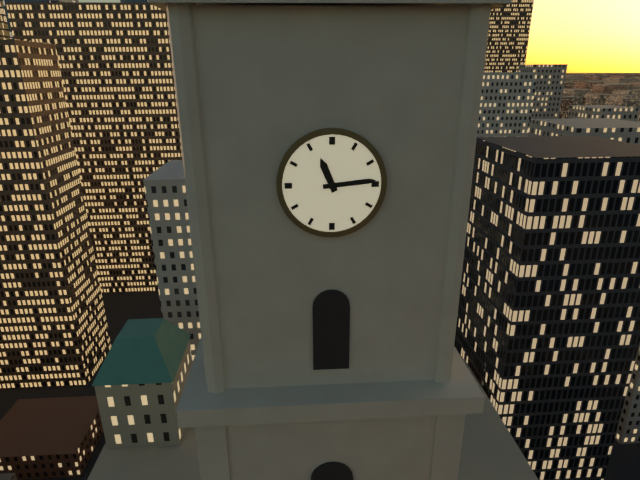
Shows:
{"hour": 11, "minute": 14}
